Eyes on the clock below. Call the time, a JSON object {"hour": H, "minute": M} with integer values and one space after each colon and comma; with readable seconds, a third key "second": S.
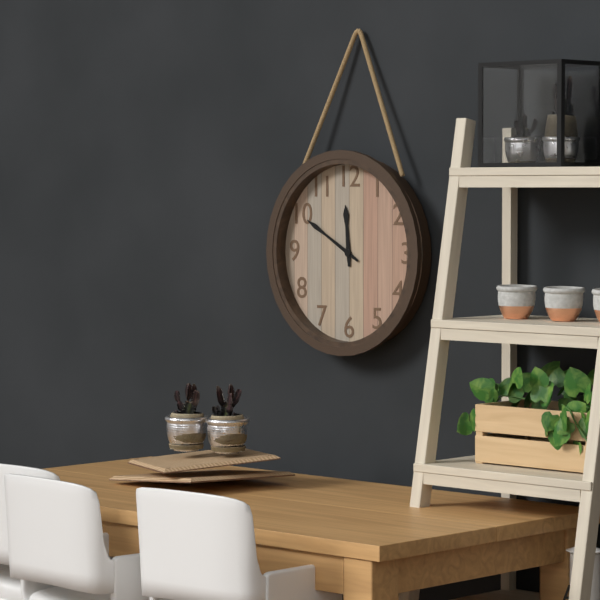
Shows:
{"hour": 11, "minute": 50}
